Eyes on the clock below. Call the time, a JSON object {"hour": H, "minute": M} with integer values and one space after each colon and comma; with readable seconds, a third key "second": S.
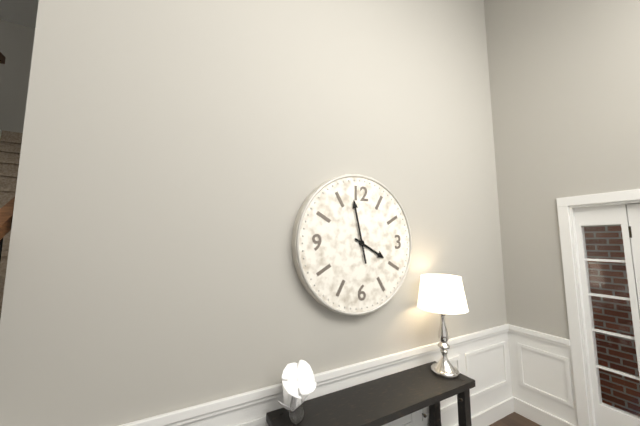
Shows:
{"hour": 3, "minute": 58}
